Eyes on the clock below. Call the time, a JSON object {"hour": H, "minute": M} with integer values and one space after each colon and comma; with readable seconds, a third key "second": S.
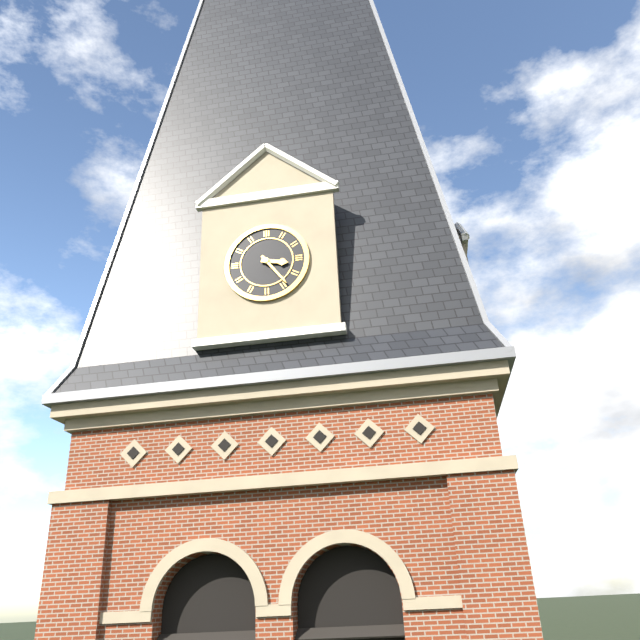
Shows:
{"hour": 3, "minute": 24}
